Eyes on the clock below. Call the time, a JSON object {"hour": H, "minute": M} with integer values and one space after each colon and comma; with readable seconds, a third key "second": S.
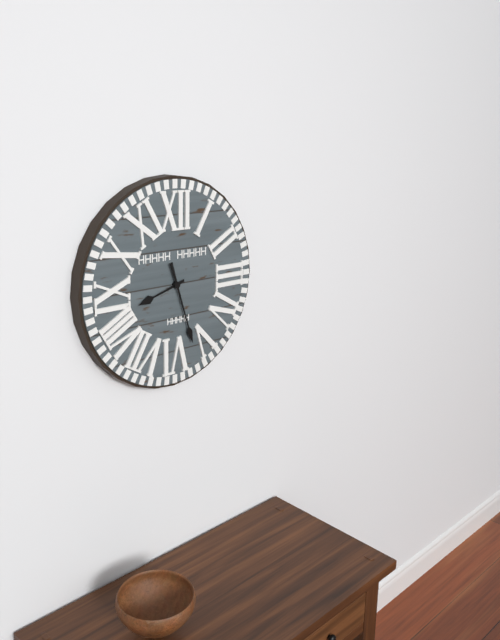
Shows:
{"hour": 8, "minute": 27}
